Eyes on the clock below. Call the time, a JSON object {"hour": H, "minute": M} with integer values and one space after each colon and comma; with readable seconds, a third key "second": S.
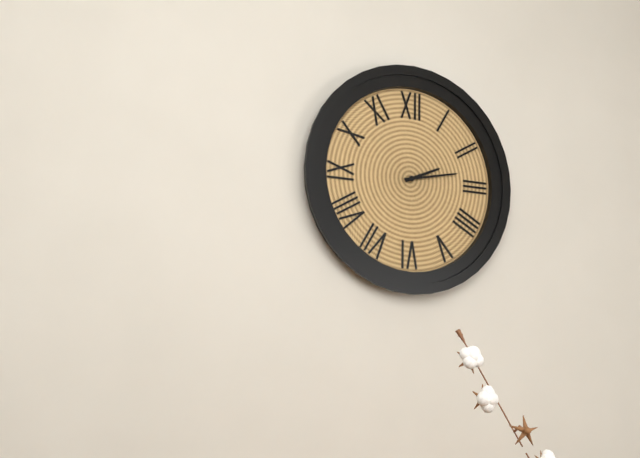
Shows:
{"hour": 2, "minute": 13}
